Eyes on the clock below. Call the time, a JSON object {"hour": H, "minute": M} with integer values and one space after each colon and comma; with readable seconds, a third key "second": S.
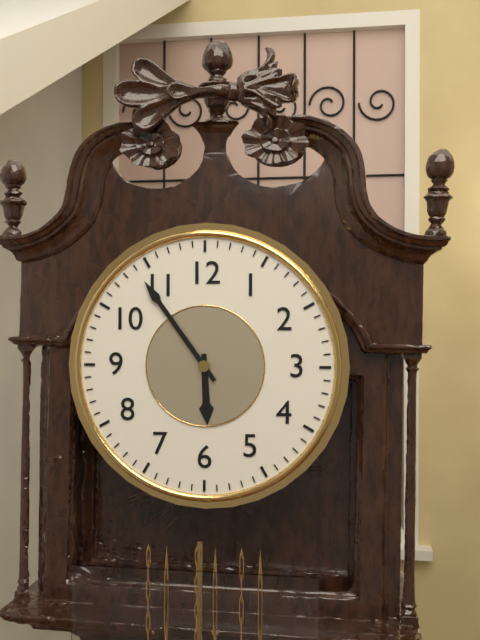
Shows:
{"hour": 5, "minute": 54}
